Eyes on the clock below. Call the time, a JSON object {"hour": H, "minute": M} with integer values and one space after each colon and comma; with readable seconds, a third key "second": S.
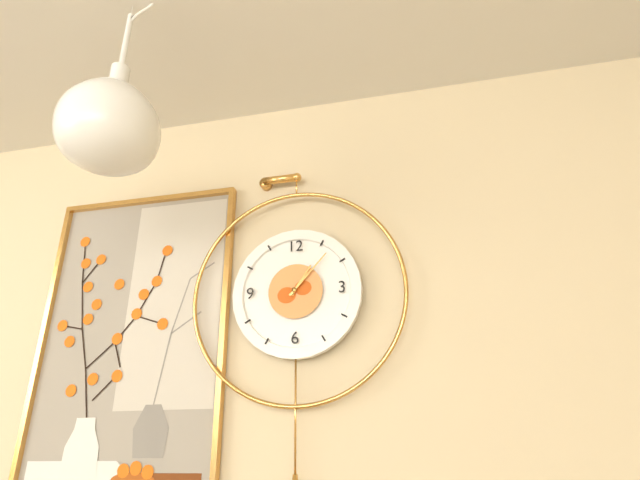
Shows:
{"hour": 1, "minute": 7}
